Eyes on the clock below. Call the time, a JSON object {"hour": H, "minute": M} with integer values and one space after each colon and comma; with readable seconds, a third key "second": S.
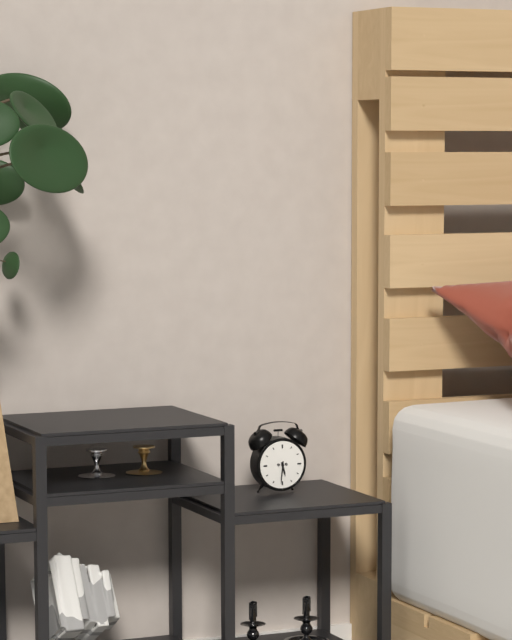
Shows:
{"hour": 5, "minute": 31}
